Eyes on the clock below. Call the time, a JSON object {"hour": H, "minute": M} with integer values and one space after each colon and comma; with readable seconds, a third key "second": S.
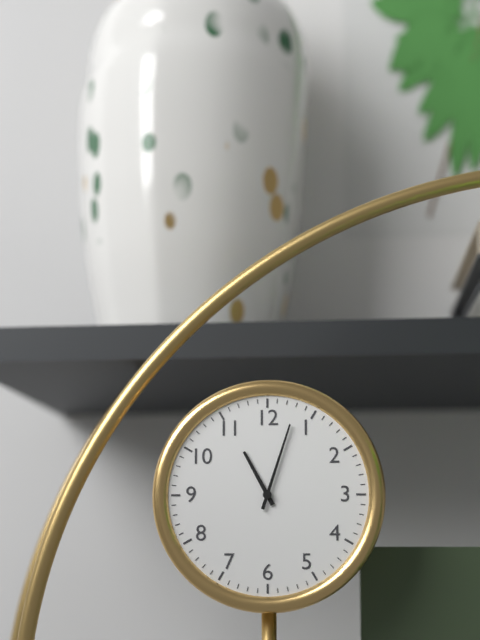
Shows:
{"hour": 11, "minute": 3}
